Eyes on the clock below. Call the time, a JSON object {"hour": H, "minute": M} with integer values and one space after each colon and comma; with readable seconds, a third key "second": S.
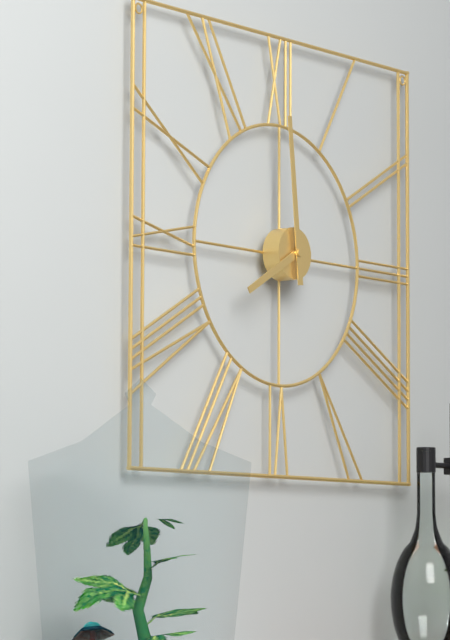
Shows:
{"hour": 7, "minute": 59}
